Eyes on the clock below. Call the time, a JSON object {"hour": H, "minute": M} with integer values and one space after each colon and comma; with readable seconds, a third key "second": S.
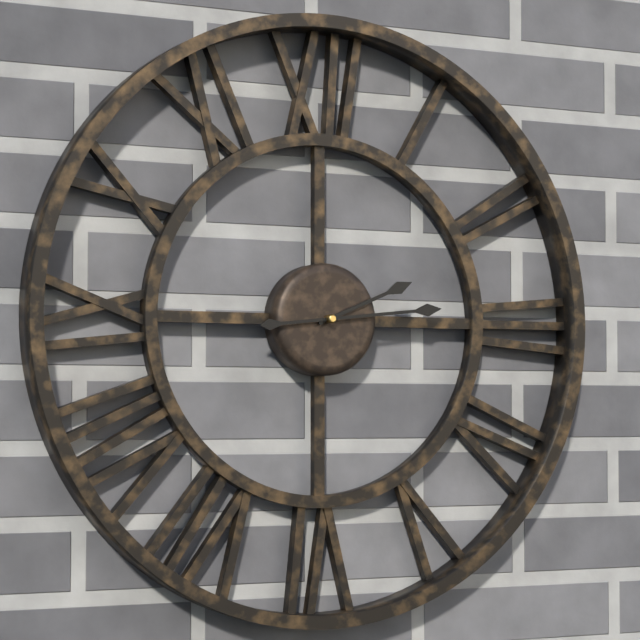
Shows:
{"hour": 2, "minute": 14}
